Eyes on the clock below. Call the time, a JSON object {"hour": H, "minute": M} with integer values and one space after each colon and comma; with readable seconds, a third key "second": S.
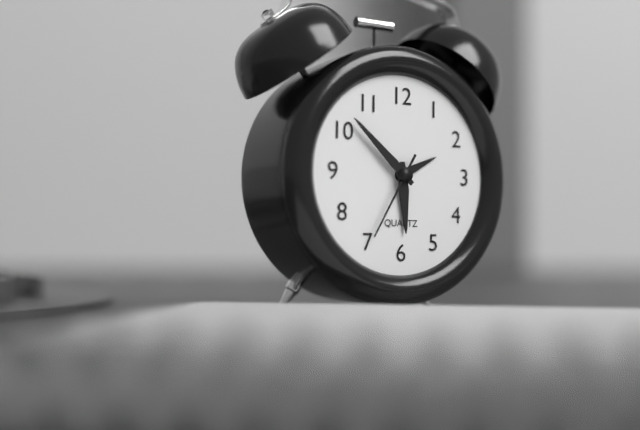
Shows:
{"hour": 5, "minute": 52, "second": 35}
